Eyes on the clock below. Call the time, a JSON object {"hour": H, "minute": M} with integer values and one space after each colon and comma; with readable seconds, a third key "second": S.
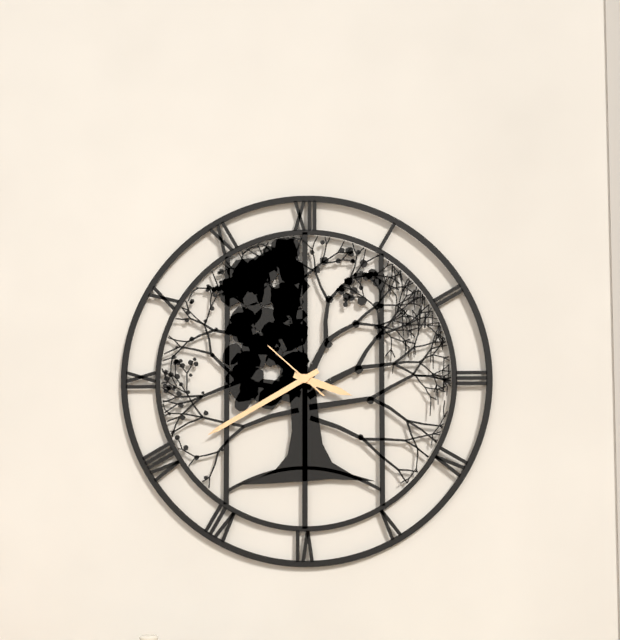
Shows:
{"hour": 3, "minute": 40, "second": 52}
